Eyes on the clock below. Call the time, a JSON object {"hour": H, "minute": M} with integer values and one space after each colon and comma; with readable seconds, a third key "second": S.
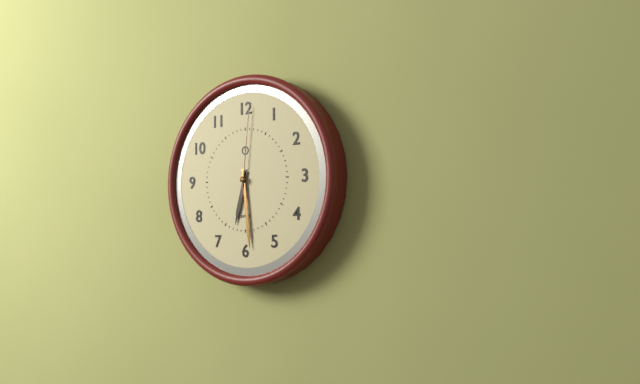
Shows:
{"hour": 6, "minute": 29, "second": 1}
